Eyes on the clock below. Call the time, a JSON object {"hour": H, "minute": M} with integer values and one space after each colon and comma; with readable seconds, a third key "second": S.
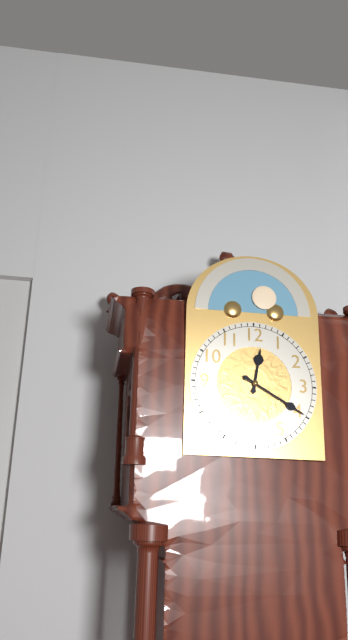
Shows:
{"hour": 12, "minute": 20}
